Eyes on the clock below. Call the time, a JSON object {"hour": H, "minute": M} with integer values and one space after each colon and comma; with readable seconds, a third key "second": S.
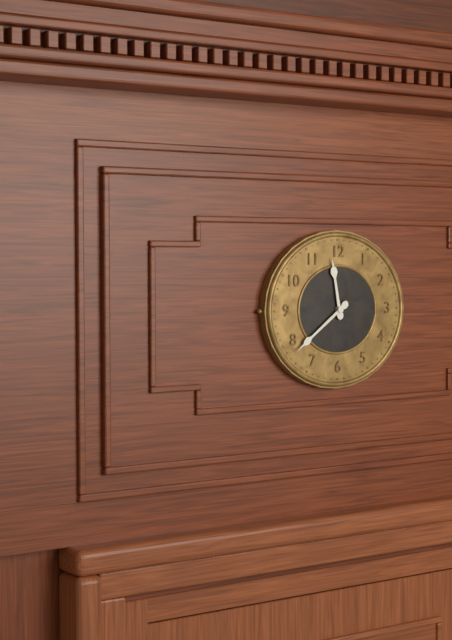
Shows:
{"hour": 11, "minute": 39}
